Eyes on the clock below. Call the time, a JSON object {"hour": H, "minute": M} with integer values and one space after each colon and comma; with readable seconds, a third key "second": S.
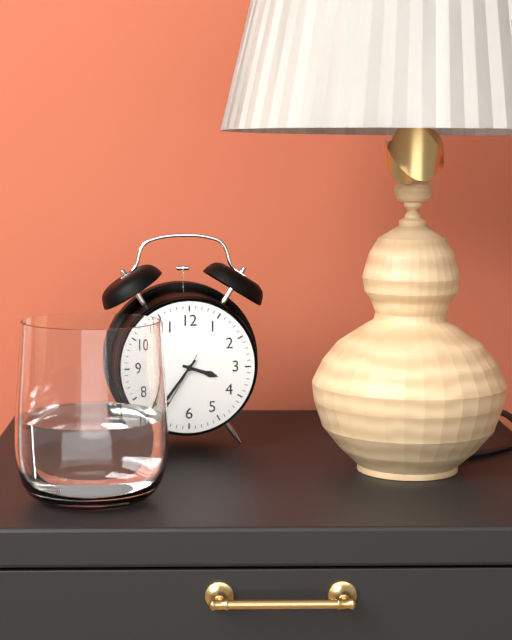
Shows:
{"hour": 3, "minute": 36, "second": 35}
